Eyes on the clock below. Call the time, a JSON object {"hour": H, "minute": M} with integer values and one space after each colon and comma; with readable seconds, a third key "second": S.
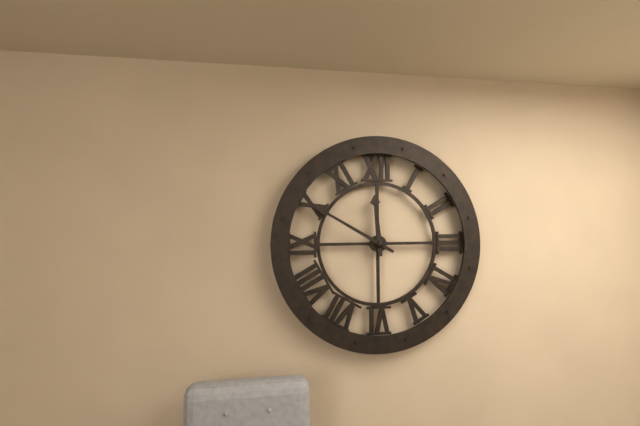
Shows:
{"hour": 11, "minute": 50}
